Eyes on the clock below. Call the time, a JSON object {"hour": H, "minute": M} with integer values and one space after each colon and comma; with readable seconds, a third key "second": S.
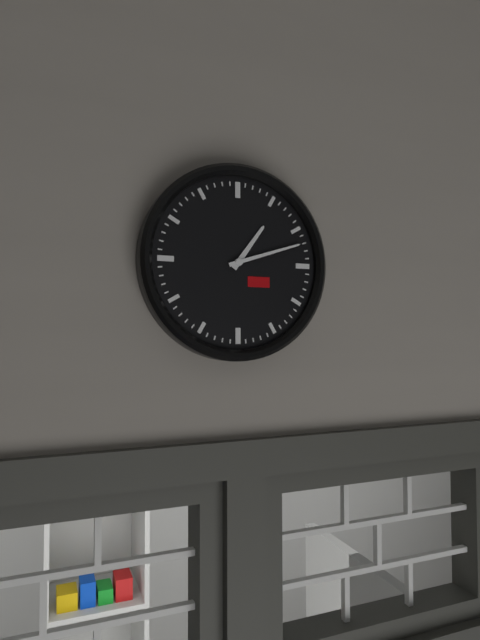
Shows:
{"hour": 1, "minute": 12}
